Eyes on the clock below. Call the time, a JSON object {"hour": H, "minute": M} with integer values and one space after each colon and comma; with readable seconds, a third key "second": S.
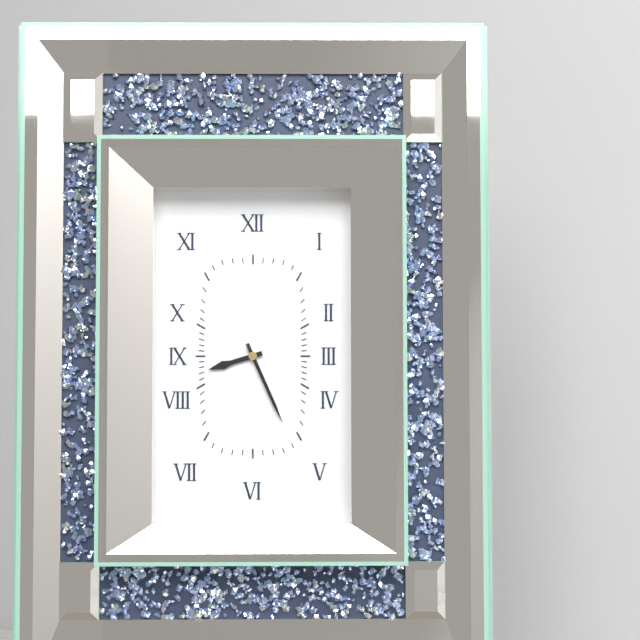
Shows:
{"hour": 8, "minute": 26}
